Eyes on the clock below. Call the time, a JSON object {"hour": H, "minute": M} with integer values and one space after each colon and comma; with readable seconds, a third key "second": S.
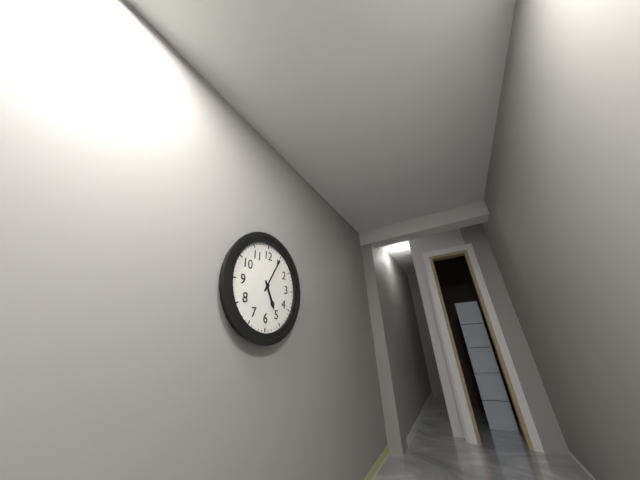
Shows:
{"hour": 5, "minute": 5}
